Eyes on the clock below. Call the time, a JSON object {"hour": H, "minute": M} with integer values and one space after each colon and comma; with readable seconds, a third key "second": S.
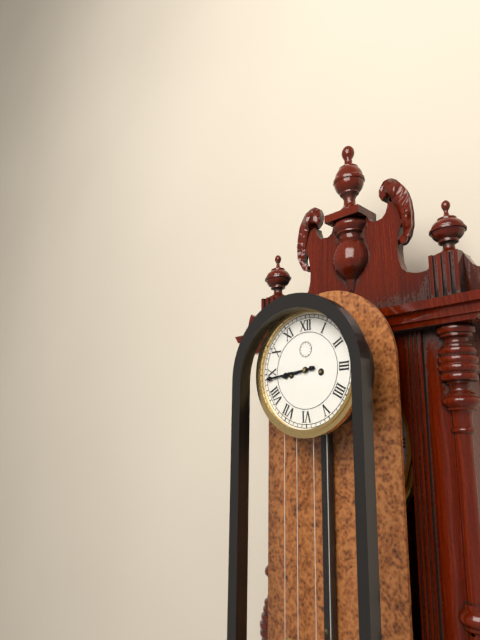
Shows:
{"hour": 8, "minute": 44}
